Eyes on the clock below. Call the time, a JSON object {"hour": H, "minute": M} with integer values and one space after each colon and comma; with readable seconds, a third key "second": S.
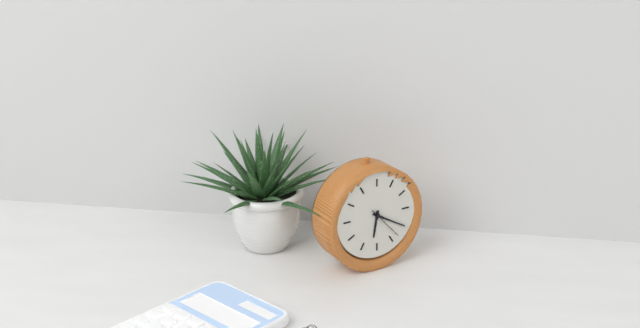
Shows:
{"hour": 6, "minute": 20}
